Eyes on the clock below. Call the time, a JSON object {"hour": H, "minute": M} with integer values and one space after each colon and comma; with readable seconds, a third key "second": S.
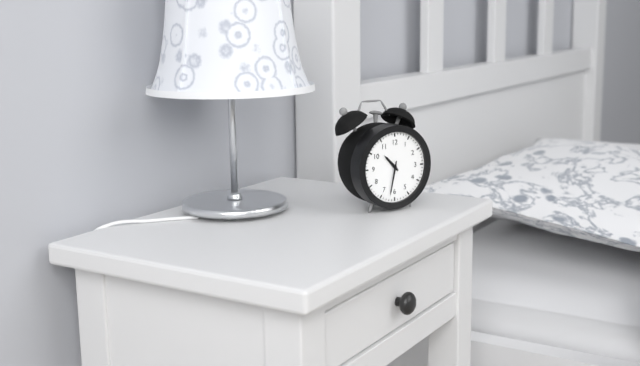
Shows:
{"hour": 10, "minute": 32}
